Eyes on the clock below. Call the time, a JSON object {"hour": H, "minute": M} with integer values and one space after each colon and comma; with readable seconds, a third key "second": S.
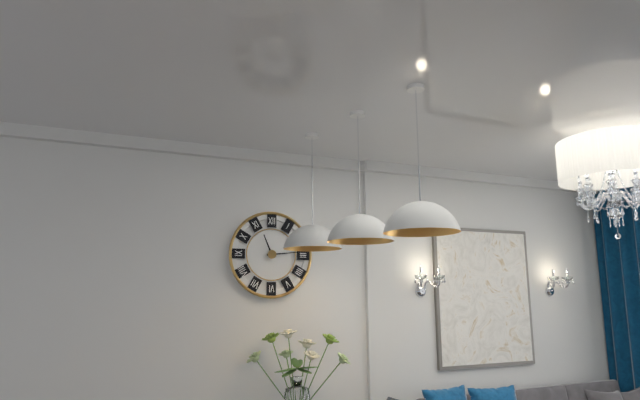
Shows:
{"hour": 11, "minute": 14}
